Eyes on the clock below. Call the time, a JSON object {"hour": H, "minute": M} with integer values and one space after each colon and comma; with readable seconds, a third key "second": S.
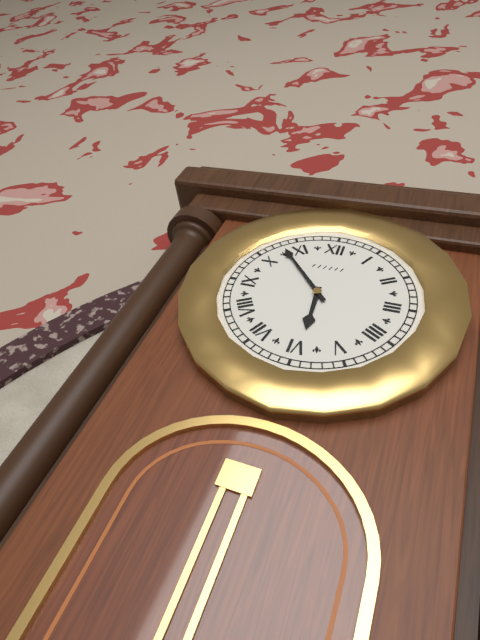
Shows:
{"hour": 5, "minute": 53}
